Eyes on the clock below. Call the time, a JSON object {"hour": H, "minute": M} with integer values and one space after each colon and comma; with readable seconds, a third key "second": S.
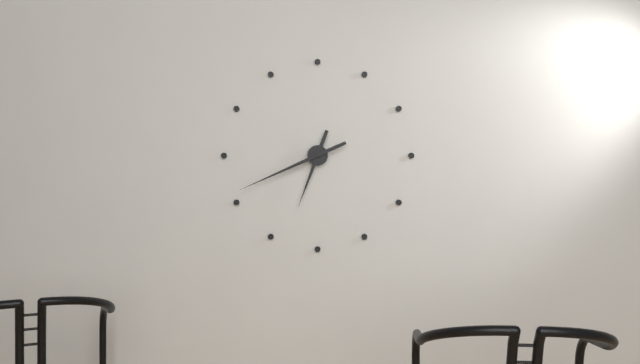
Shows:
{"hour": 6, "minute": 41}
